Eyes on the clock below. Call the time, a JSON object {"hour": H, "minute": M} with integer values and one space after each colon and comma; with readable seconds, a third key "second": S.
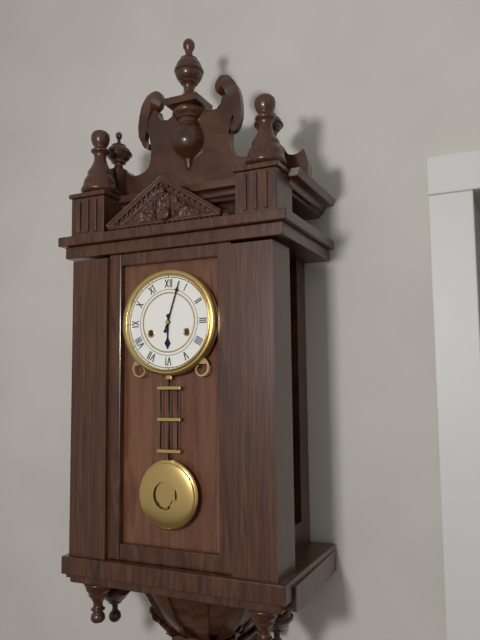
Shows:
{"hour": 6, "minute": 3}
